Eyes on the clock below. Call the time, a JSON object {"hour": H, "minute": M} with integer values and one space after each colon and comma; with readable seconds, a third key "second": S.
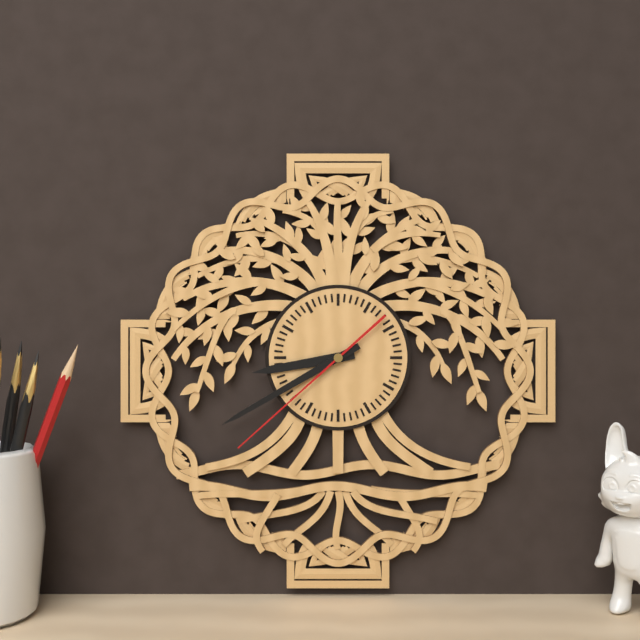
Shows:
{"hour": 8, "minute": 40, "second": 38}
